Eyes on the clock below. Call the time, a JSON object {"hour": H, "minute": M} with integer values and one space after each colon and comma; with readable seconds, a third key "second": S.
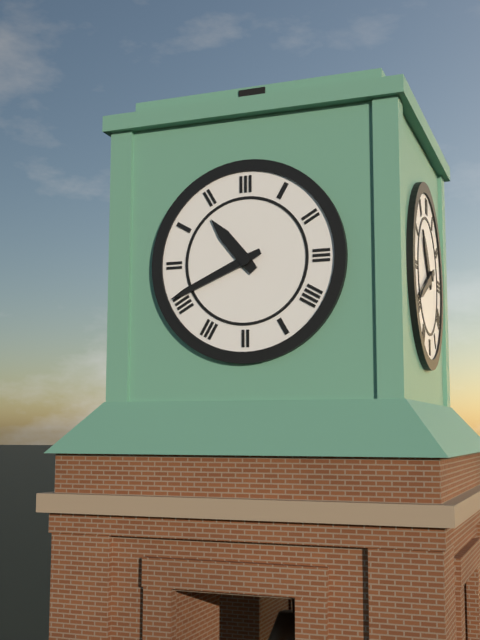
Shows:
{"hour": 10, "minute": 41}
